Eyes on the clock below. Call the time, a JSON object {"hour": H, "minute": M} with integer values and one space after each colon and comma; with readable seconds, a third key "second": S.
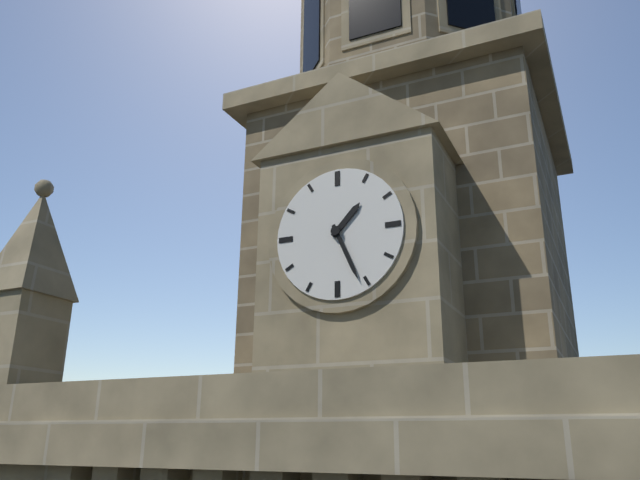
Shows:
{"hour": 1, "minute": 26}
